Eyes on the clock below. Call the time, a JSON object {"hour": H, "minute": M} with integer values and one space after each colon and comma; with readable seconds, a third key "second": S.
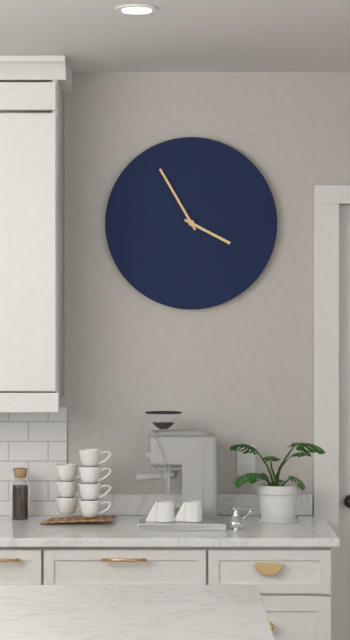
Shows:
{"hour": 3, "minute": 55}
